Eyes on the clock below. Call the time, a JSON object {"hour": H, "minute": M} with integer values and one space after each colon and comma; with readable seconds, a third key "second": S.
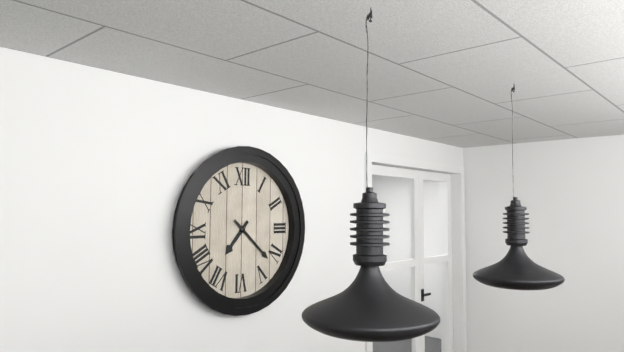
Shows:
{"hour": 7, "minute": 22}
